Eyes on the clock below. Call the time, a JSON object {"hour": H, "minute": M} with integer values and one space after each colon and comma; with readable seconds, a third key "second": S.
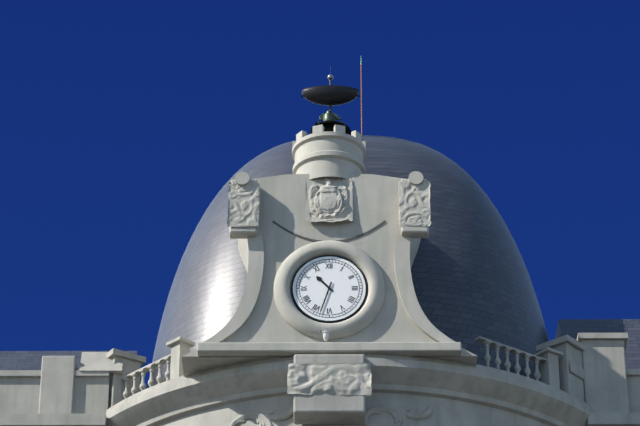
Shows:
{"hour": 10, "minute": 33}
